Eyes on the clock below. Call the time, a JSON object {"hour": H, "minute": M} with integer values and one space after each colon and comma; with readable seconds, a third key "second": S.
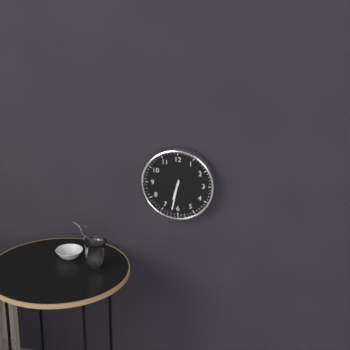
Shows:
{"hour": 6, "minute": 32}
